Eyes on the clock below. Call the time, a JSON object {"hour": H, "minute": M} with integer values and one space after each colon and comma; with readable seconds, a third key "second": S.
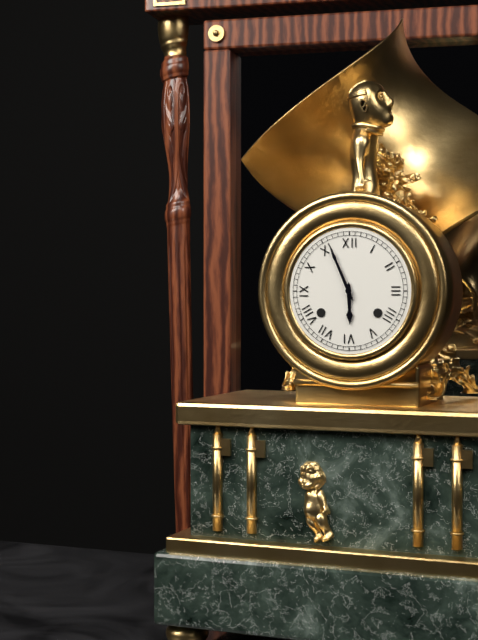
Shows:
{"hour": 5, "minute": 56}
